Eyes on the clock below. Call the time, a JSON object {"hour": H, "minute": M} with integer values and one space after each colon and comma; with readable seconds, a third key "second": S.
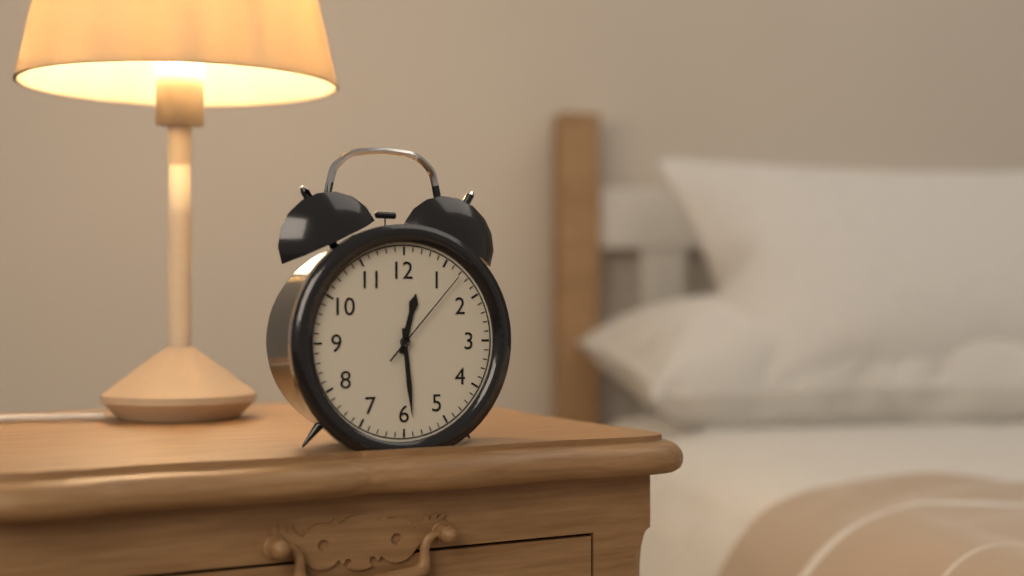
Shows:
{"hour": 12, "minute": 29, "second": 7}
